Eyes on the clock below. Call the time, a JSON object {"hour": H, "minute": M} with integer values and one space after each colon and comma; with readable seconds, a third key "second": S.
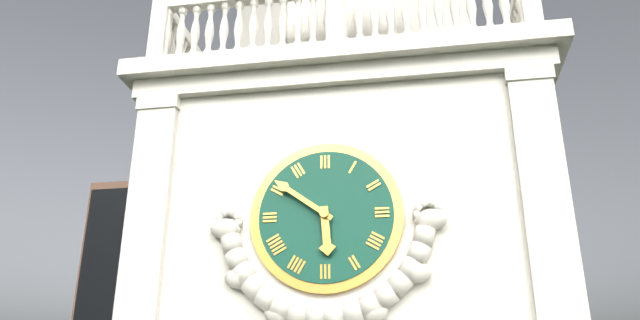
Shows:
{"hour": 5, "minute": 51}
